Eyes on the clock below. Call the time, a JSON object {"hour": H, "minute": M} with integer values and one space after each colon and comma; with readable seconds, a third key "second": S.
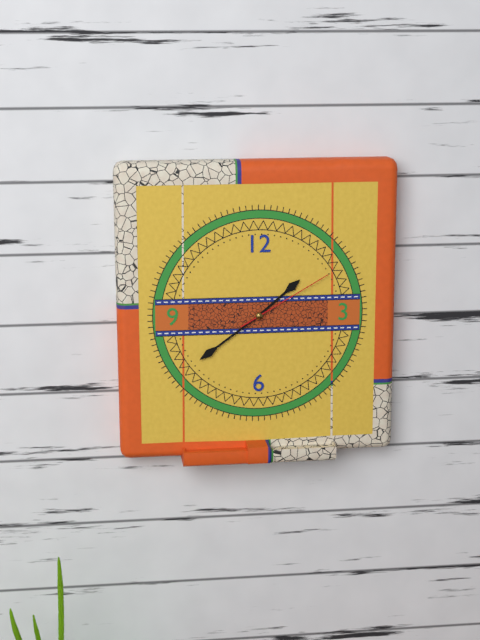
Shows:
{"hour": 1, "minute": 39, "second": 10}
